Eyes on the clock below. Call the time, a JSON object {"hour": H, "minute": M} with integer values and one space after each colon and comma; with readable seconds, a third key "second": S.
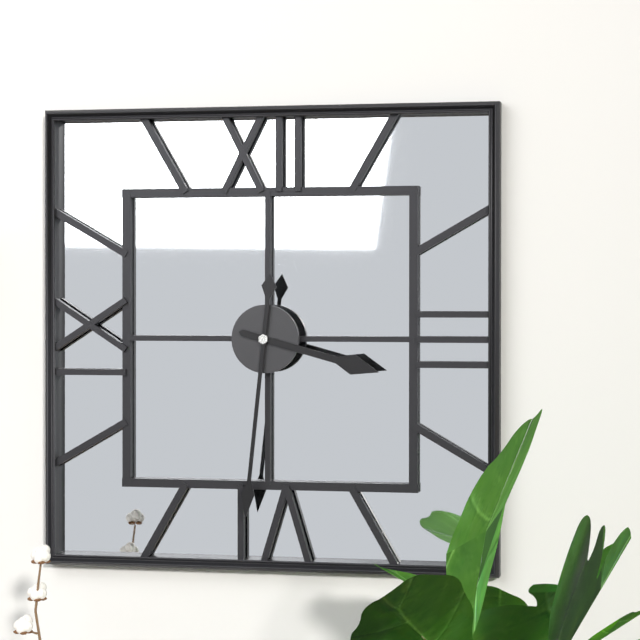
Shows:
{"hour": 3, "minute": 31}
